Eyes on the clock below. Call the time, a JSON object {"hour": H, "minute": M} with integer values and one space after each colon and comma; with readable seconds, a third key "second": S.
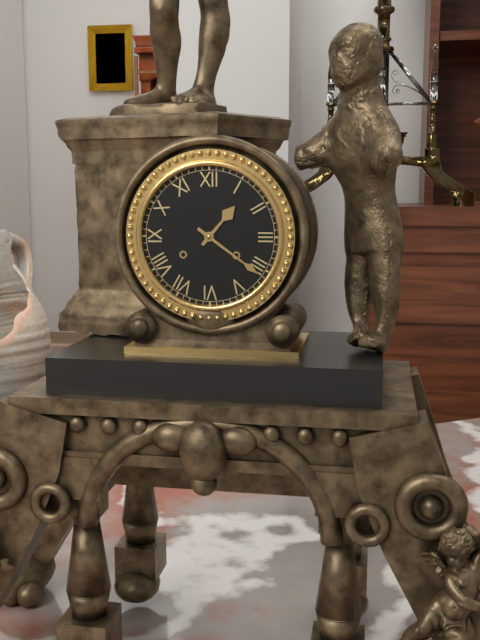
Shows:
{"hour": 1, "minute": 21}
